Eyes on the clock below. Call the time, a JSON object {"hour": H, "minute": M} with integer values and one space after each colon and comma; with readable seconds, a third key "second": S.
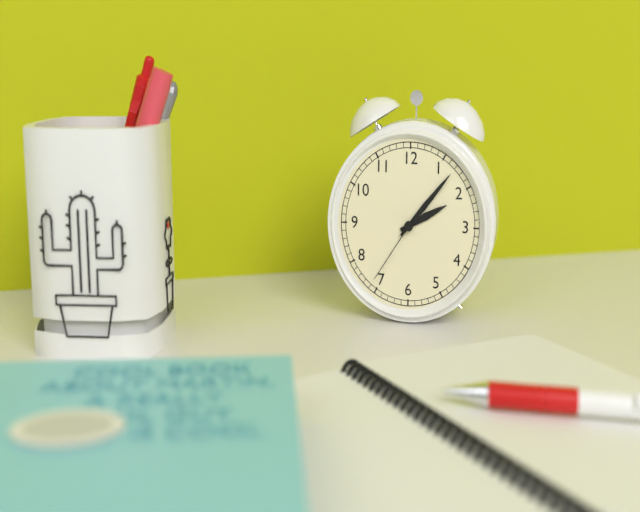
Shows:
{"hour": 2, "minute": 7, "second": 36}
